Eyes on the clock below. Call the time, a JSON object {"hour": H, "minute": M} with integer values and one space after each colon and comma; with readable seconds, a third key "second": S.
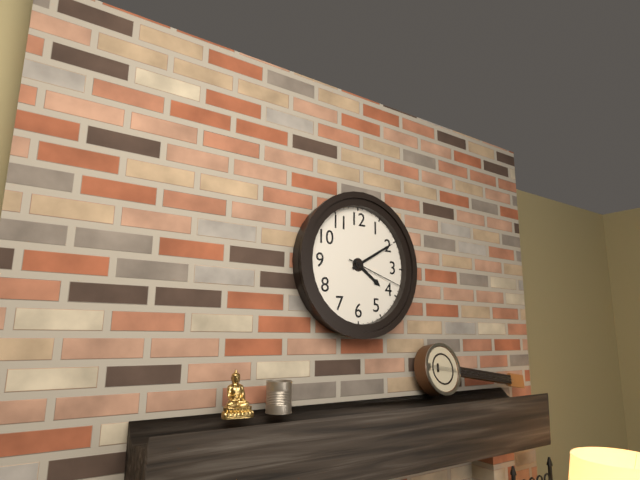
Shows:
{"hour": 4, "minute": 10, "second": 18}
